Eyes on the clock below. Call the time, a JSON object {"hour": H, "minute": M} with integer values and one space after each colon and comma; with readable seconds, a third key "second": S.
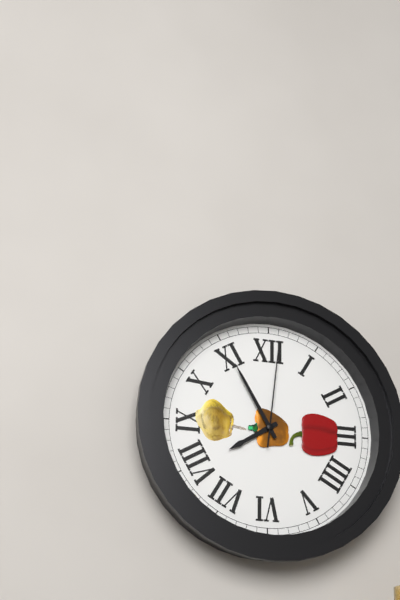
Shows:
{"hour": 7, "minute": 55, "second": 1}
